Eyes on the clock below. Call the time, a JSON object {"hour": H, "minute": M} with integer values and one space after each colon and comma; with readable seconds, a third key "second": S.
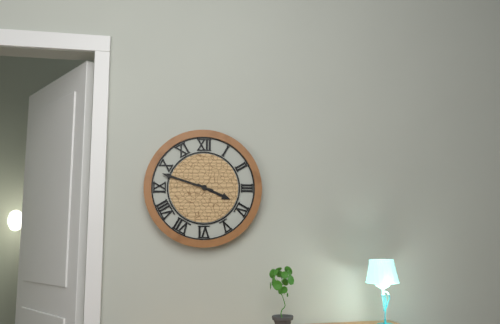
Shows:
{"hour": 3, "minute": 48}
